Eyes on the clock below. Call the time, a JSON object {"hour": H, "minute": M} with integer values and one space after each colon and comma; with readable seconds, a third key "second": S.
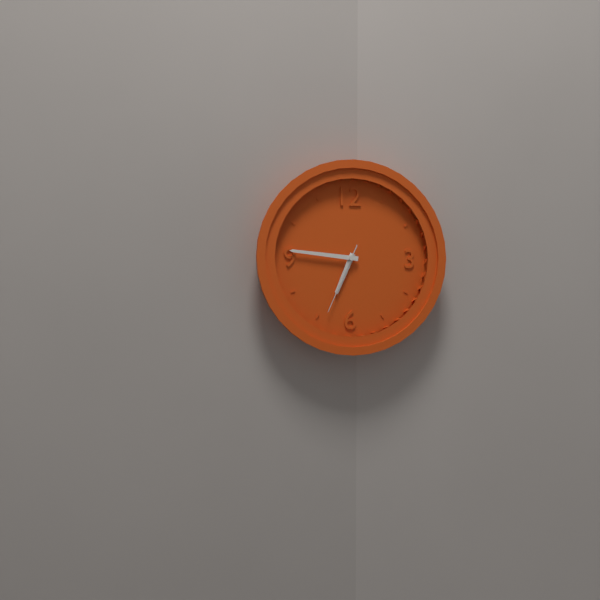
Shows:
{"hour": 6, "minute": 46, "second": 34}
